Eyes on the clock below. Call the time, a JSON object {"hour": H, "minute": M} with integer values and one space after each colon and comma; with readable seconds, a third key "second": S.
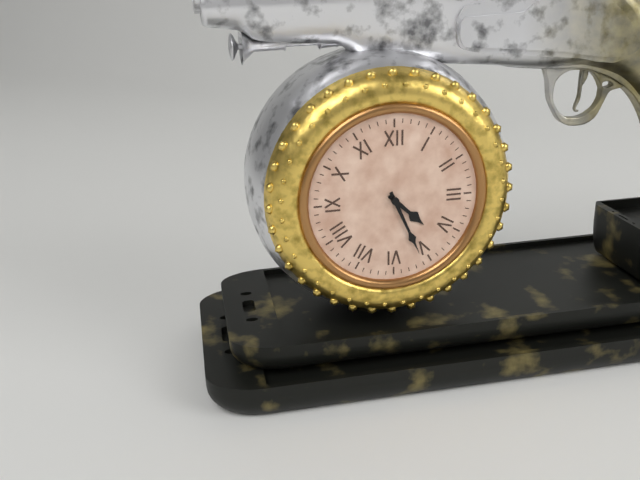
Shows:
{"hour": 4, "minute": 26}
